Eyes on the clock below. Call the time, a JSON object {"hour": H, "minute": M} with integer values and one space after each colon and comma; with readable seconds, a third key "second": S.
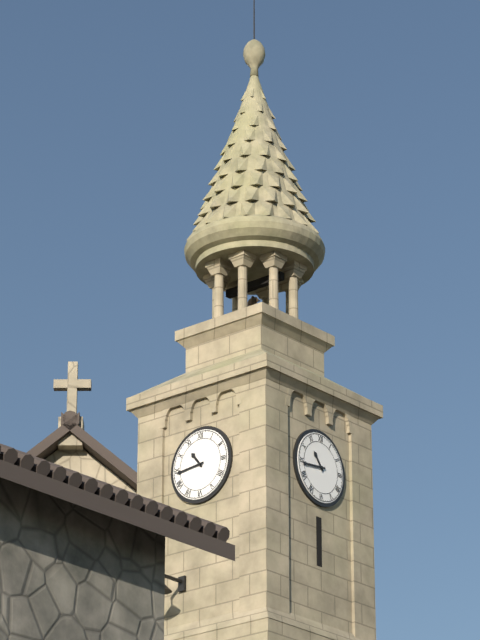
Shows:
{"hour": 10, "minute": 44}
